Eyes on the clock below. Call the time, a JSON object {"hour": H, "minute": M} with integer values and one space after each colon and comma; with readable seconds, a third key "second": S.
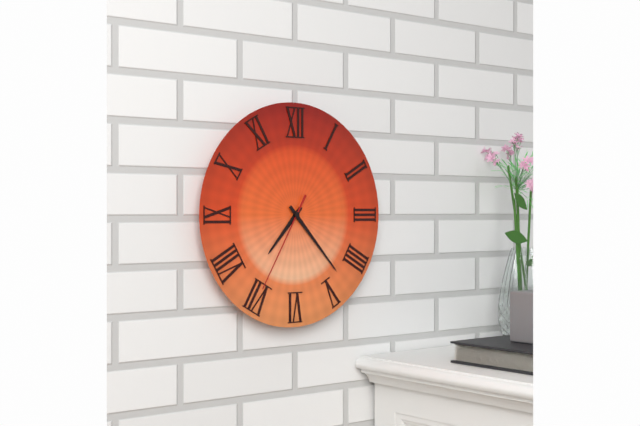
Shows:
{"hour": 7, "minute": 23, "second": 35}
